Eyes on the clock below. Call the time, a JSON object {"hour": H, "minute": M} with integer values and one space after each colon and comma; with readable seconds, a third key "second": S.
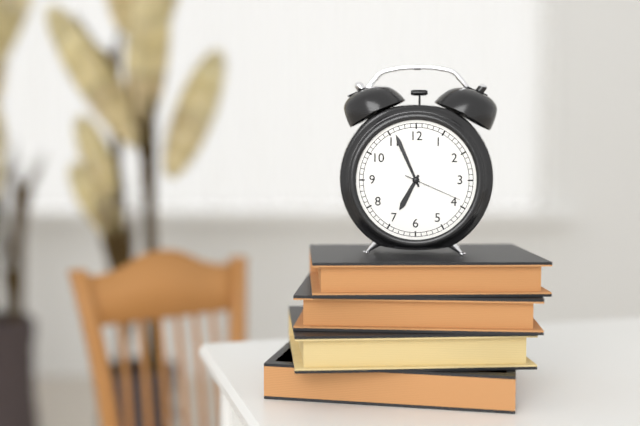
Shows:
{"hour": 6, "minute": 56, "second": 19}
